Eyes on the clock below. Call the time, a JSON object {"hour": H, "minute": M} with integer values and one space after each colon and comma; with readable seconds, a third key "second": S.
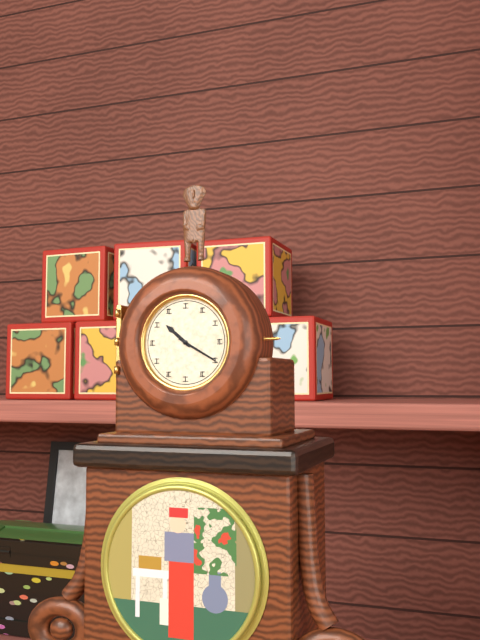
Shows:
{"hour": 10, "minute": 20}
